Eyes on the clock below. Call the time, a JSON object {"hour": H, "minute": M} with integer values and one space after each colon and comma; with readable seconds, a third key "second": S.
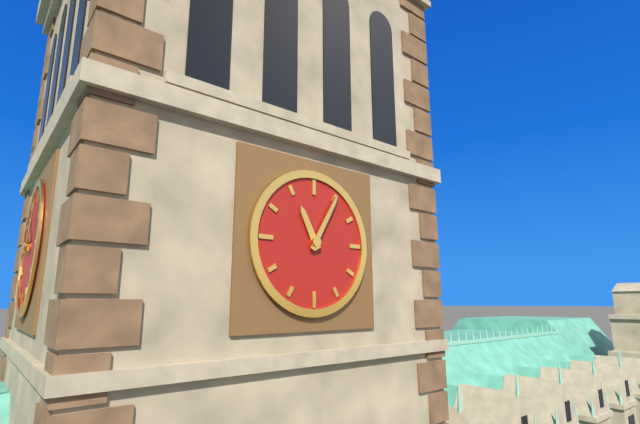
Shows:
{"hour": 11, "minute": 5}
